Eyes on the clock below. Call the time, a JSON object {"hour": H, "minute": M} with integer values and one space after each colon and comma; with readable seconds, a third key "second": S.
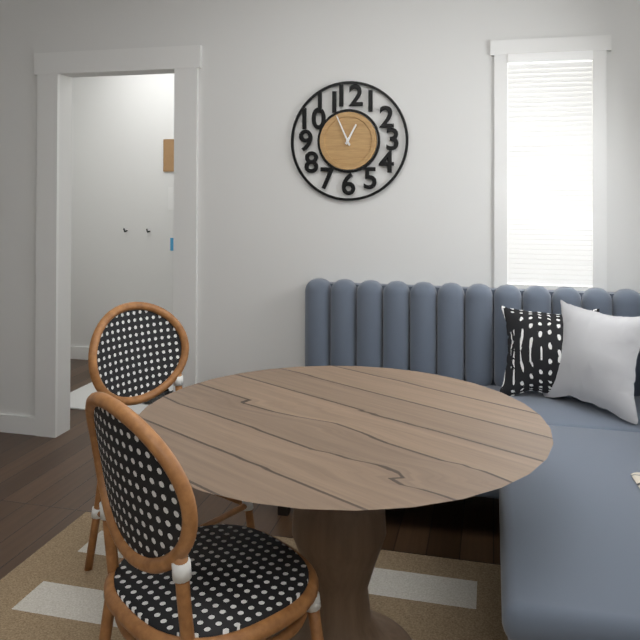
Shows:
{"hour": 12, "minute": 56}
